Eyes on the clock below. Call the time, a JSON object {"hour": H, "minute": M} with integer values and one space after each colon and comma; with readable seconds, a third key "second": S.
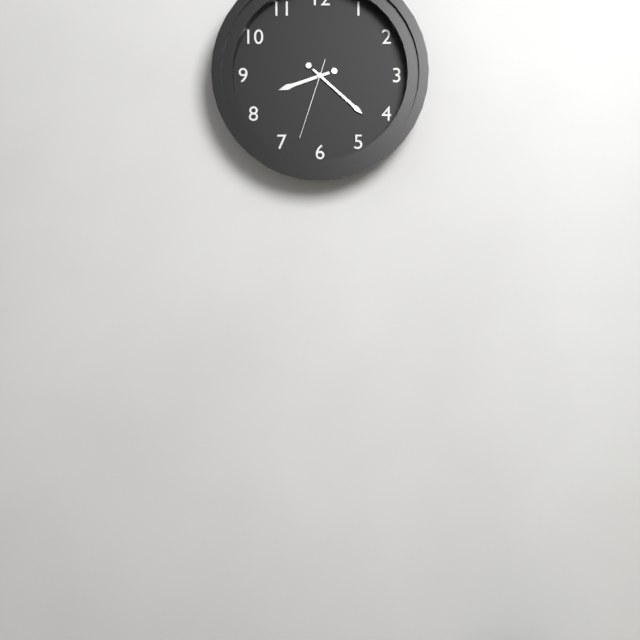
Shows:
{"hour": 8, "minute": 22, "second": 33}
